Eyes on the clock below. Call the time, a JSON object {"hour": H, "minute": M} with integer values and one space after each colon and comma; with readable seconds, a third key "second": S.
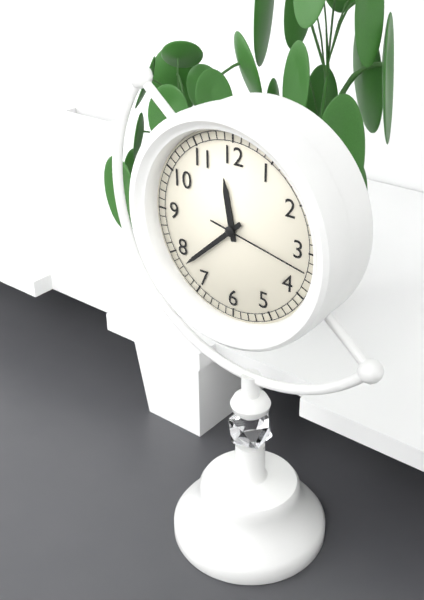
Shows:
{"hour": 11, "minute": 38, "second": 17}
